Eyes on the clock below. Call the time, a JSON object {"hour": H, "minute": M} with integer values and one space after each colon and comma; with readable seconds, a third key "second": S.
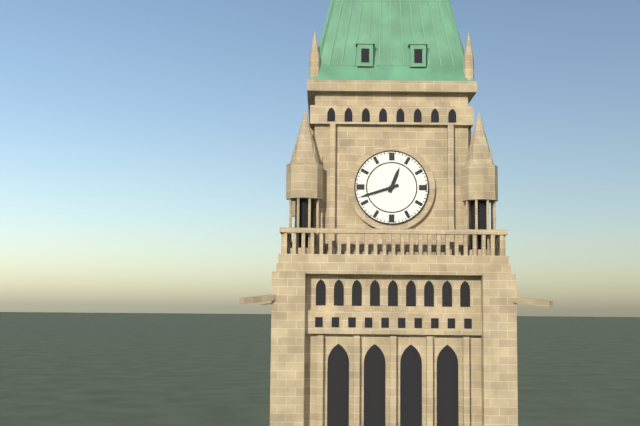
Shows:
{"hour": 12, "minute": 42}
